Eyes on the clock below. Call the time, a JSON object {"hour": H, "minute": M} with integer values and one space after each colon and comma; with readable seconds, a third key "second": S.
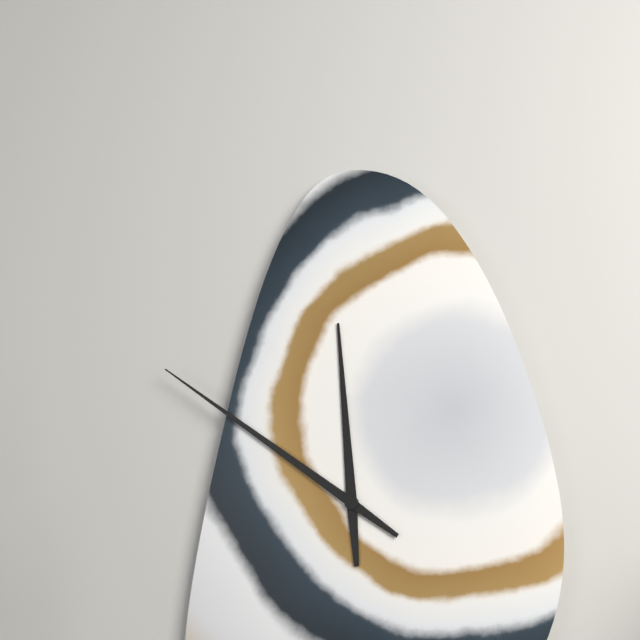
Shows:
{"hour": 11, "minute": 51}
